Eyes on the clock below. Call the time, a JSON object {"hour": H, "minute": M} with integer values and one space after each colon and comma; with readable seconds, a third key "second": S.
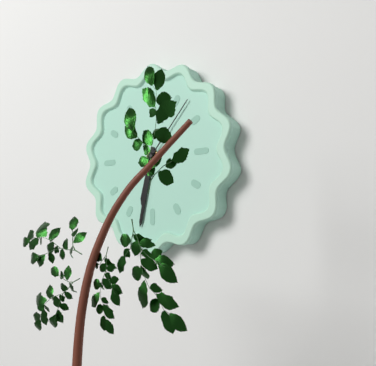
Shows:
{"hour": 6, "minute": 32, "second": 7}
